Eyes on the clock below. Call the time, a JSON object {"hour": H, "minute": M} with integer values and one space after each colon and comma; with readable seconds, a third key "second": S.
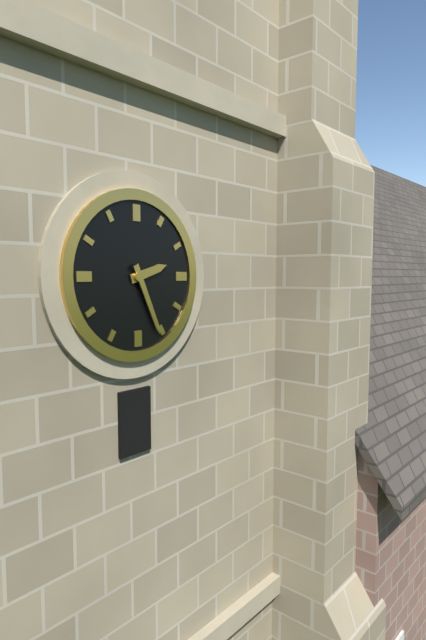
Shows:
{"hour": 2, "minute": 26}
